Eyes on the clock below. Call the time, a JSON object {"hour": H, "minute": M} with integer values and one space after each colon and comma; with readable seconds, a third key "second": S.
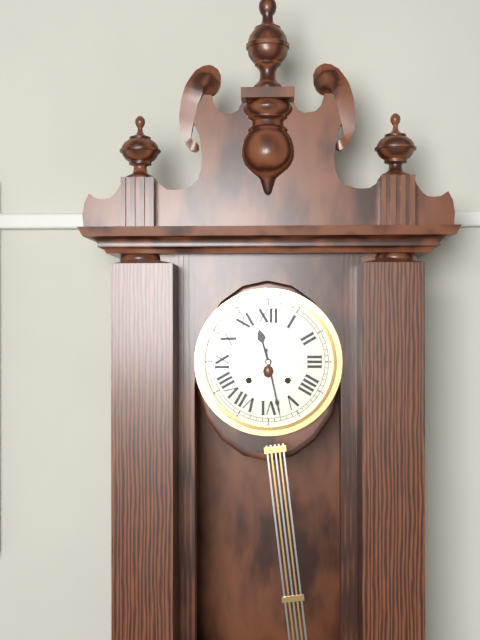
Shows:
{"hour": 11, "minute": 28}
